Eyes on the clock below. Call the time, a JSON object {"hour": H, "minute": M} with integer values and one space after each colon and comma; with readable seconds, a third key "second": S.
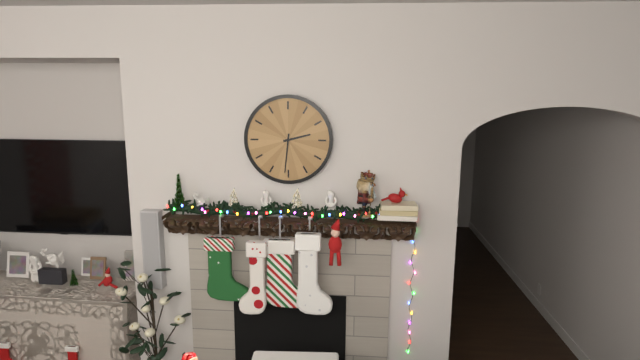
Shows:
{"hour": 2, "minute": 31}
